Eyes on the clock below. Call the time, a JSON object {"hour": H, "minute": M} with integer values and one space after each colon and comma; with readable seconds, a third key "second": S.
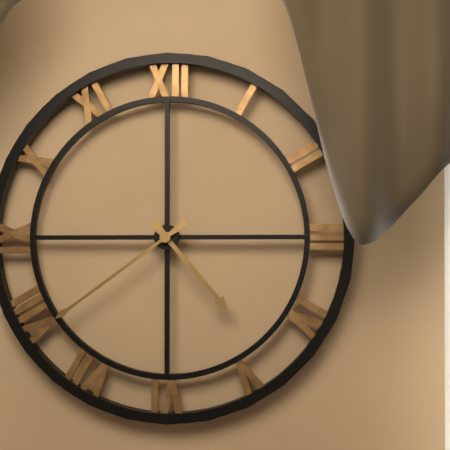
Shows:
{"hour": 4, "minute": 39}
